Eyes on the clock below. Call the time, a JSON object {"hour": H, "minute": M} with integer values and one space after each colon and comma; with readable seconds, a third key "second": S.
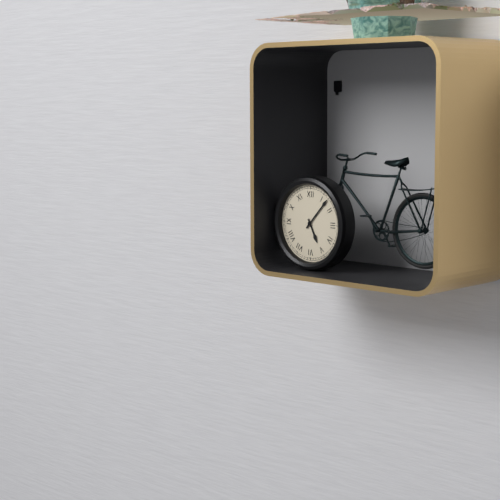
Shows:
{"hour": 5, "minute": 7}
